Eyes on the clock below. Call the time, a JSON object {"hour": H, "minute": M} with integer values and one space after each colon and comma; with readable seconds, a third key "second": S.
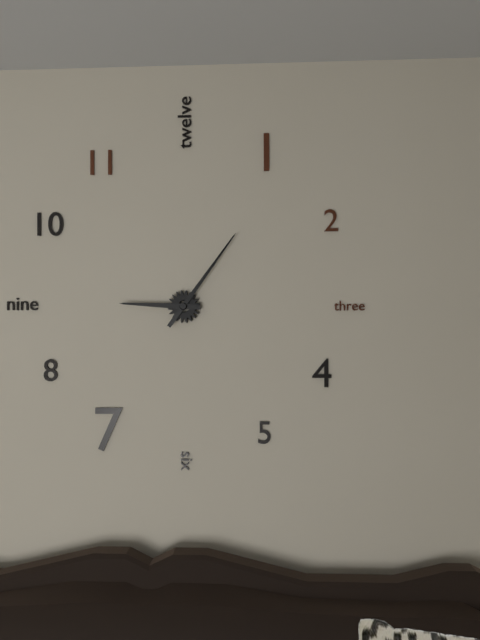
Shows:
{"hour": 9, "minute": 6}
